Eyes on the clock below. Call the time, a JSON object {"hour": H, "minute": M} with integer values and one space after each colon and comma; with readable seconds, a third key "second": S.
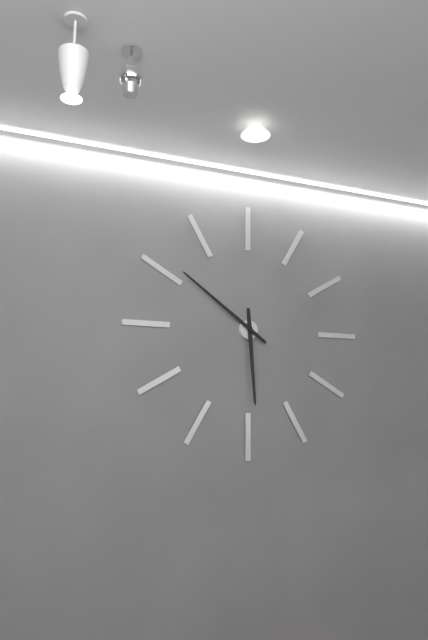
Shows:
{"hour": 5, "minute": 51}
